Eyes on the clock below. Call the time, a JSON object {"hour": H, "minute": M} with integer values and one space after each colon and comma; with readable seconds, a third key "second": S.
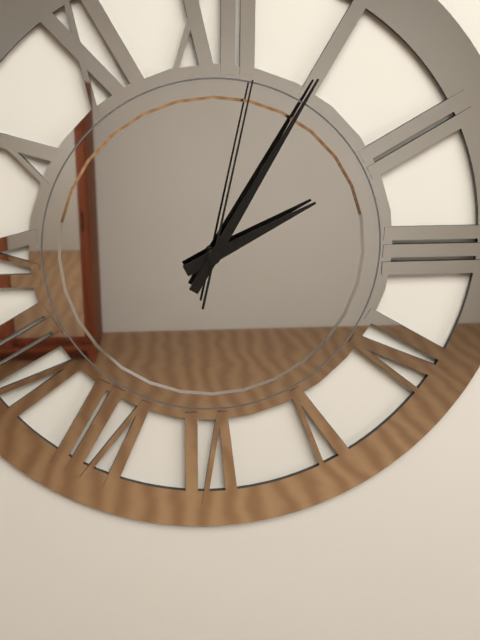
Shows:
{"hour": 2, "minute": 5, "second": 2}
